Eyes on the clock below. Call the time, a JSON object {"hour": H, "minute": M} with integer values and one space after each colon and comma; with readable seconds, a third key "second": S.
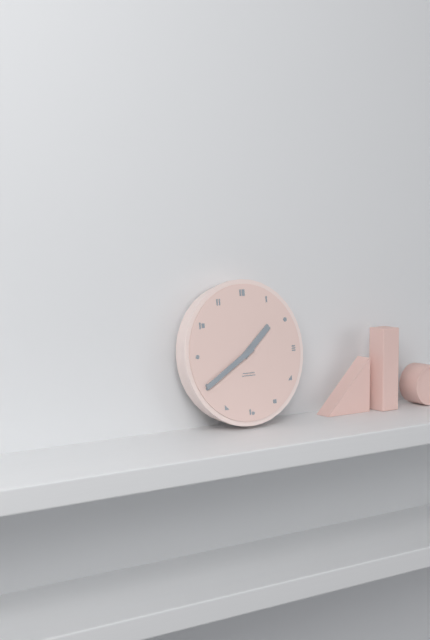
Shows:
{"hour": 1, "minute": 40}
